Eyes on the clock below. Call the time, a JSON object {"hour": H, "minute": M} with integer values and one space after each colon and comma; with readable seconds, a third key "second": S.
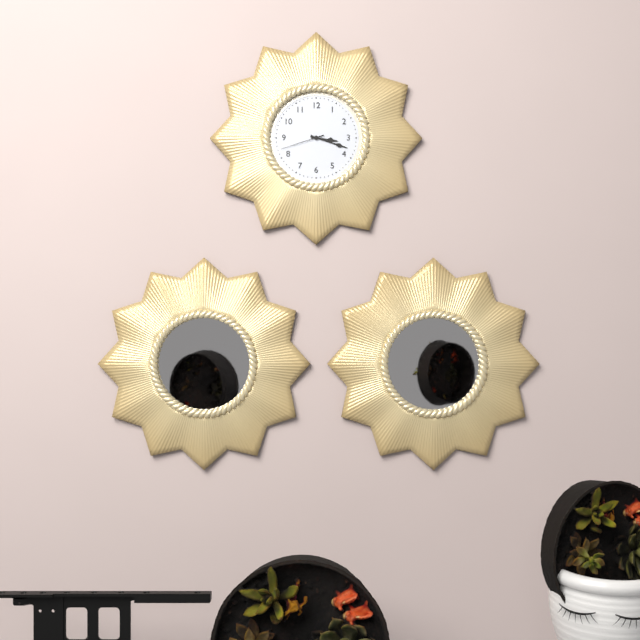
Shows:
{"hour": 3, "minute": 18}
